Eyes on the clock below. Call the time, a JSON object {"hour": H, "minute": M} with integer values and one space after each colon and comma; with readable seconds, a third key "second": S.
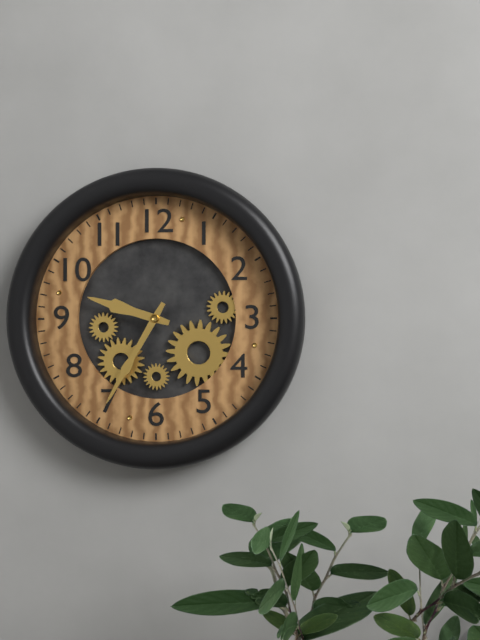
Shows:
{"hour": 9, "minute": 35}
